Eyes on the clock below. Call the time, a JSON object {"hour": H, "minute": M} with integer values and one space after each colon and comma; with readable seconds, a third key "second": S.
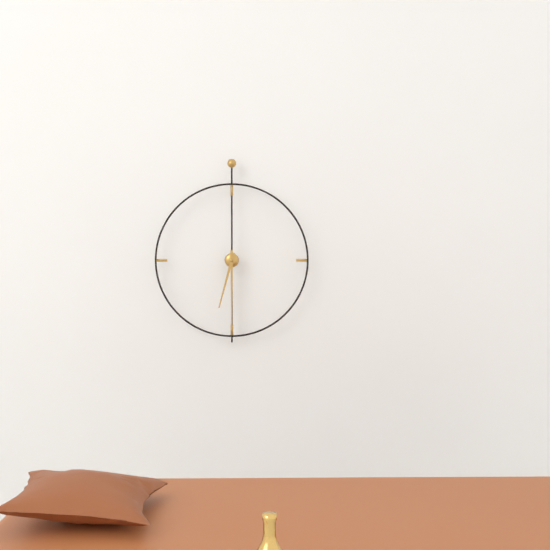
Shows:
{"hour": 6, "minute": 30}
